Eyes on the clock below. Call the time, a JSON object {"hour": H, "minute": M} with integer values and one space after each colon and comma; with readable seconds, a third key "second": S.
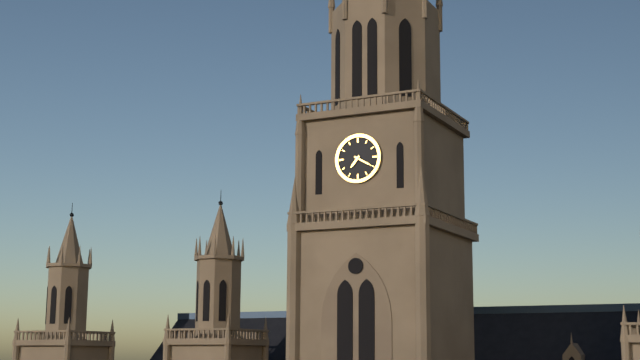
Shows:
{"hour": 7, "minute": 20}
